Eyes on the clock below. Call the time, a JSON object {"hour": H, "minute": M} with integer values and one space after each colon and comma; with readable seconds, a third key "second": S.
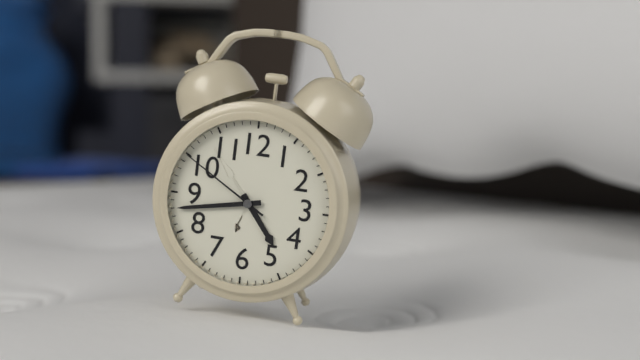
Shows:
{"hour": 4, "minute": 43, "second": 50}
